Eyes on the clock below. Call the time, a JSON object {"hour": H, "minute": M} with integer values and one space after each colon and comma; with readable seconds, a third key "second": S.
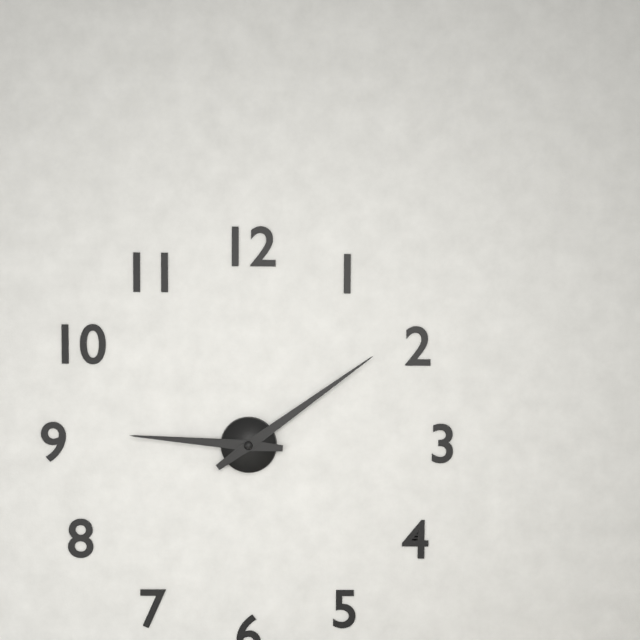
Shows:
{"hour": 9, "minute": 9}
